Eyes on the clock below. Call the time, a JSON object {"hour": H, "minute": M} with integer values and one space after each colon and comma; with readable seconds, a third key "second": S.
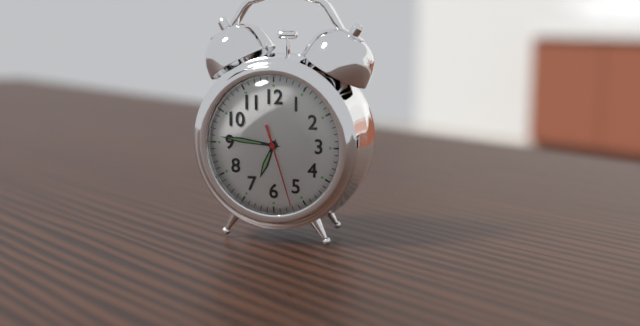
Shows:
{"hour": 6, "minute": 46, "second": 27}
